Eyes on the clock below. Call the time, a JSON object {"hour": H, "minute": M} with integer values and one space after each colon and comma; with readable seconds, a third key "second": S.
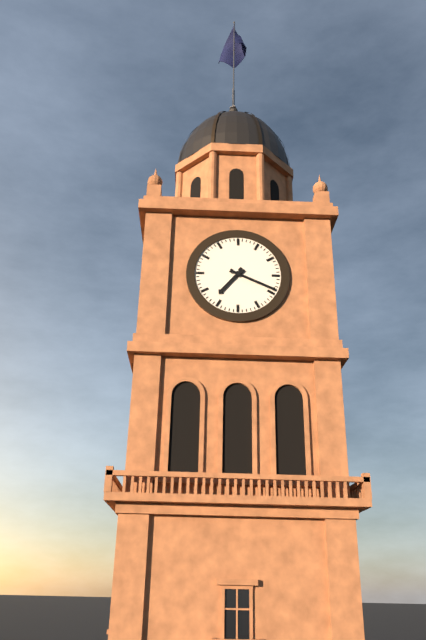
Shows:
{"hour": 7, "minute": 19}
